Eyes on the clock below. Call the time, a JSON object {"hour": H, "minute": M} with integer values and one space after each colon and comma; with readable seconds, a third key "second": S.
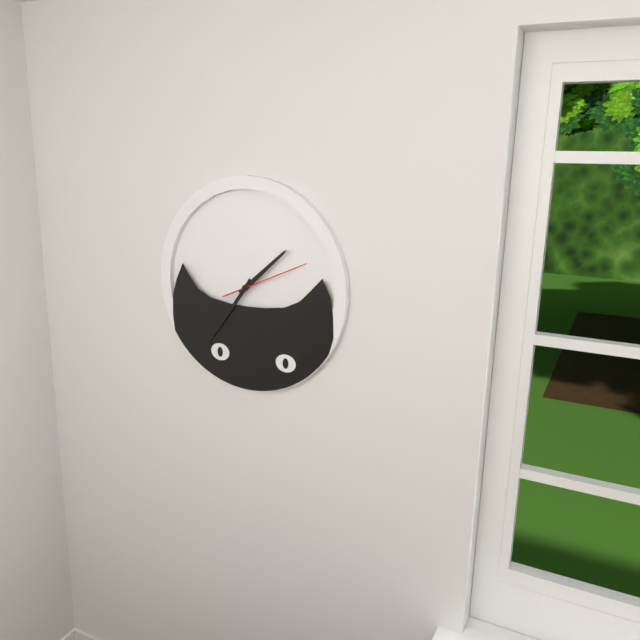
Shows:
{"hour": 1, "minute": 36, "second": 11}
